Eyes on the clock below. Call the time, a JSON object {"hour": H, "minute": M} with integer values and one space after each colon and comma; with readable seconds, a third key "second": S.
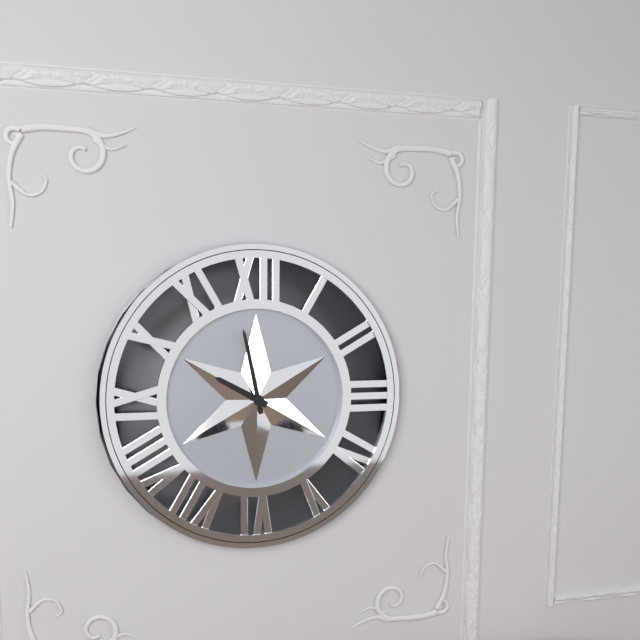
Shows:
{"hour": 9, "minute": 58}
